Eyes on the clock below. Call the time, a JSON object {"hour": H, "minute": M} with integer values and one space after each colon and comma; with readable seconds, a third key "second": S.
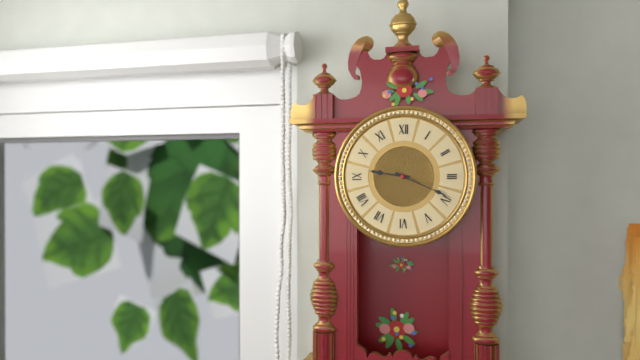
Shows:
{"hour": 9, "minute": 19}
